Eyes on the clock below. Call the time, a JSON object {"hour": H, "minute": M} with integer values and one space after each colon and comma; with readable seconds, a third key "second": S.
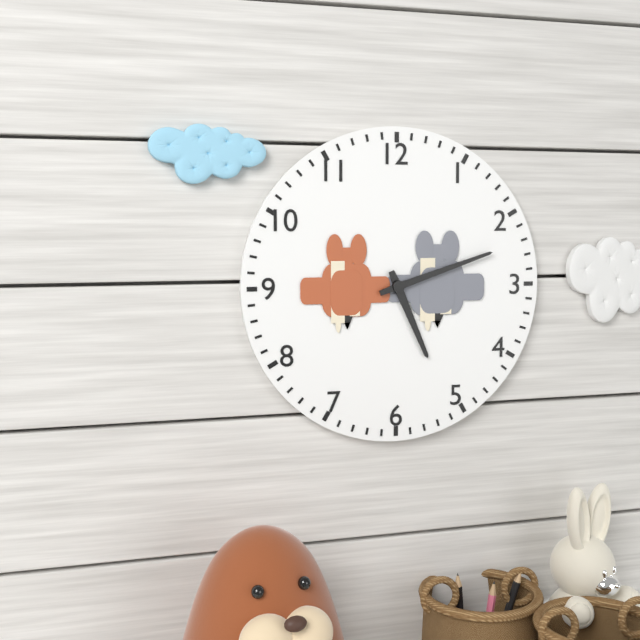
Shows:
{"hour": 5, "minute": 12}
